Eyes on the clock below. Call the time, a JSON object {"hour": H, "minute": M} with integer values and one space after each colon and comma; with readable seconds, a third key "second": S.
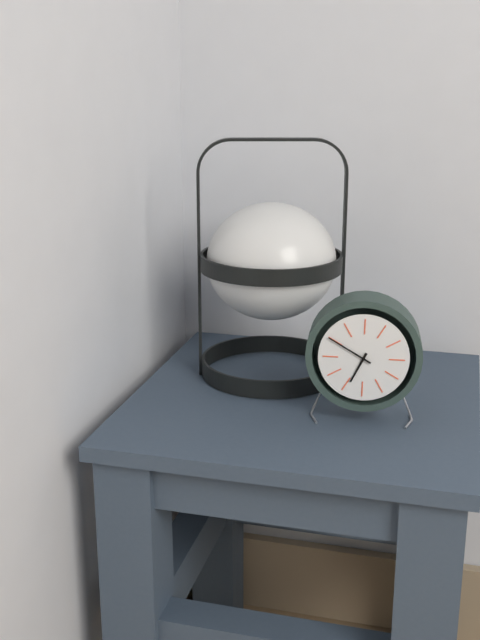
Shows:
{"hour": 6, "minute": 50}
